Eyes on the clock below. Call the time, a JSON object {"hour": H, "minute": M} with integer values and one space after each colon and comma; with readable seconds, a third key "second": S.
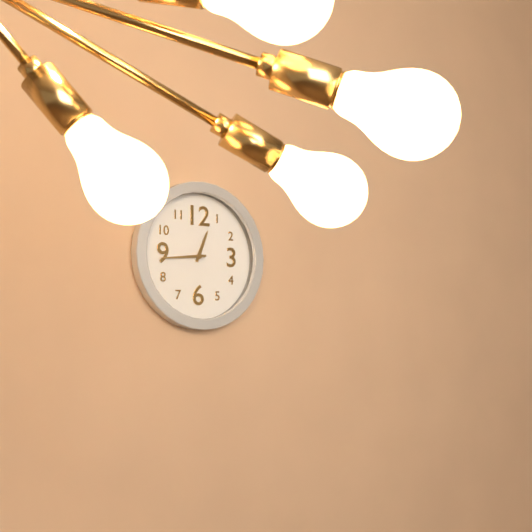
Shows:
{"hour": 12, "minute": 44}
